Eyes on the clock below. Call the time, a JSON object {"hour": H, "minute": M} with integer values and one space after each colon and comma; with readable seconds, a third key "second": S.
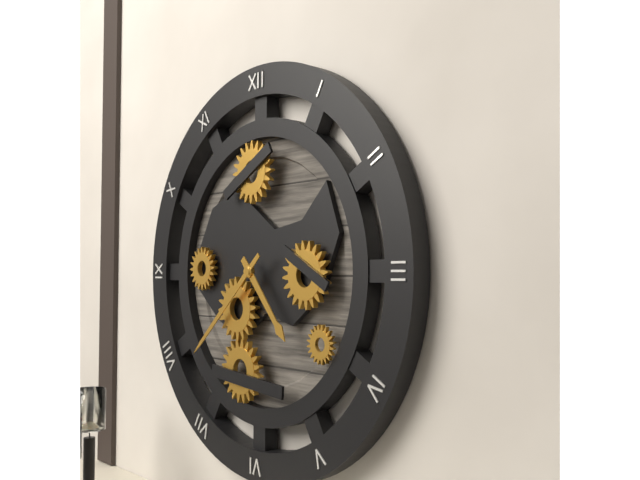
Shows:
{"hour": 4, "minute": 38}
